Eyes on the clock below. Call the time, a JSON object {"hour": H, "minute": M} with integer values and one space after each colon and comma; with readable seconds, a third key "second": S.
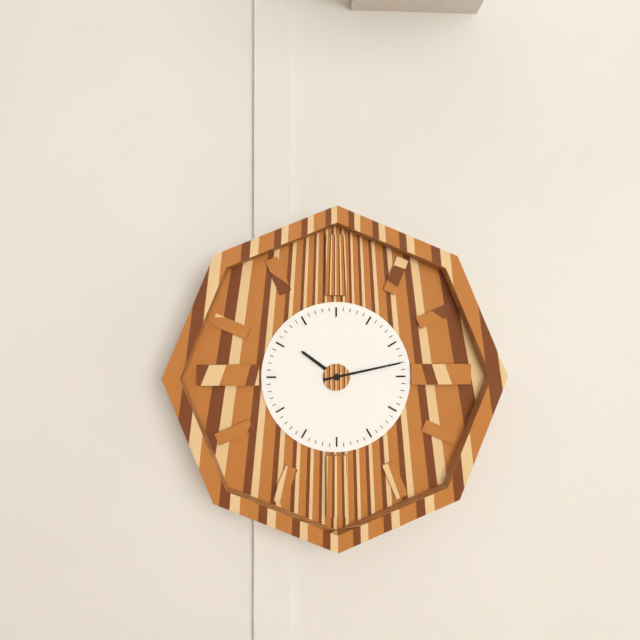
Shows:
{"hour": 10, "minute": 13}
